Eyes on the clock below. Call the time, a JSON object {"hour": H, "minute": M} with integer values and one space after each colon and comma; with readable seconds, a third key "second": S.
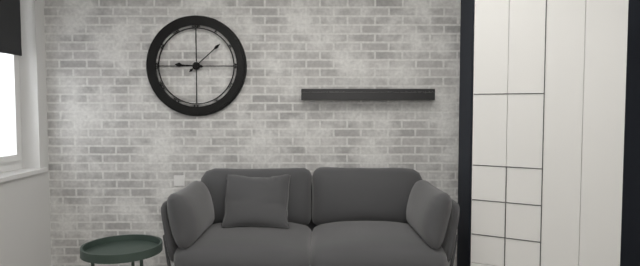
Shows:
{"hour": 9, "minute": 8}
